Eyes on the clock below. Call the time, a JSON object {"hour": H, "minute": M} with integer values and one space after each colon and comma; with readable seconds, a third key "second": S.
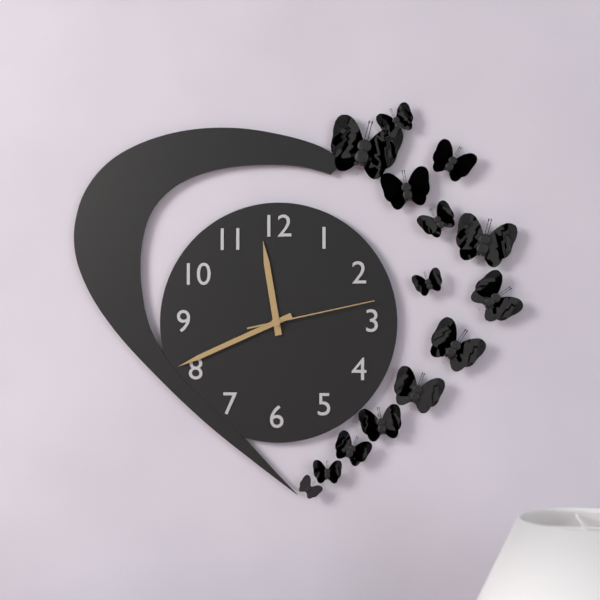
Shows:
{"hour": 11, "minute": 41, "second": 13}
